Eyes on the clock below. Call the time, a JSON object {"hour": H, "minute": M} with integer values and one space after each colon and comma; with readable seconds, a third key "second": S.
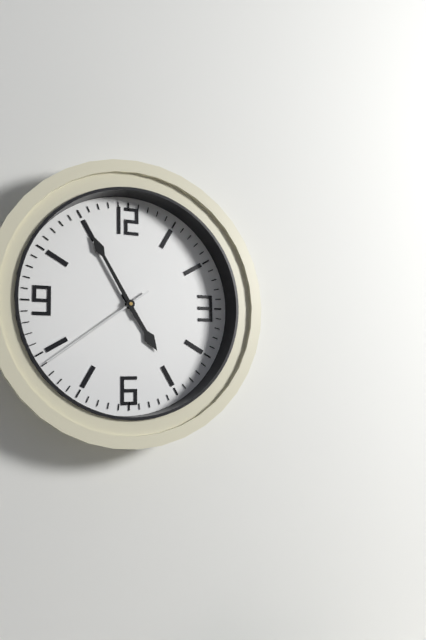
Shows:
{"hour": 4, "minute": 55, "second": 39}
